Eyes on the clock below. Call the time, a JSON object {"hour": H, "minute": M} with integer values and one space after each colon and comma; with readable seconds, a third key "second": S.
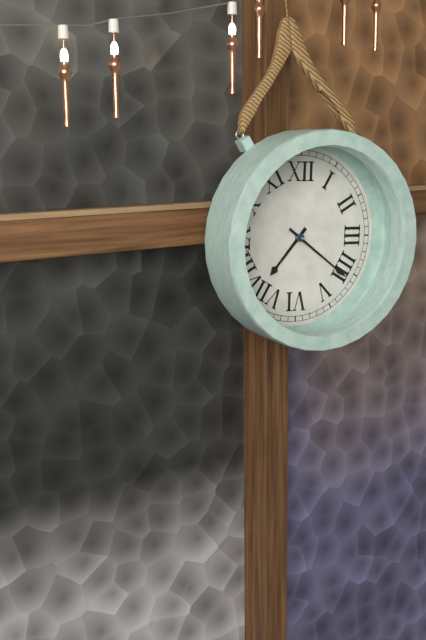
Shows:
{"hour": 7, "minute": 21}
